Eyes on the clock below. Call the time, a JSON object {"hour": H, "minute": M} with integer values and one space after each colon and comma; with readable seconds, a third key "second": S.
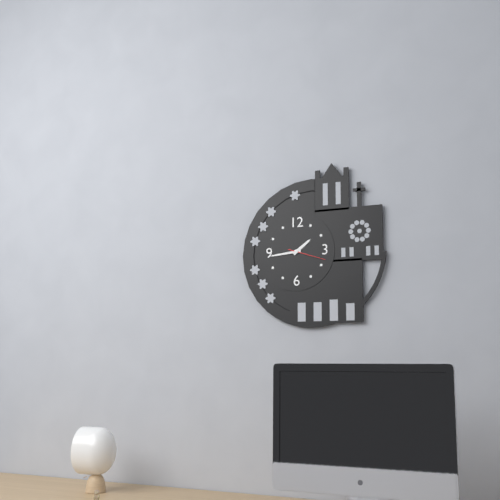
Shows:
{"hour": 1, "minute": 44}
